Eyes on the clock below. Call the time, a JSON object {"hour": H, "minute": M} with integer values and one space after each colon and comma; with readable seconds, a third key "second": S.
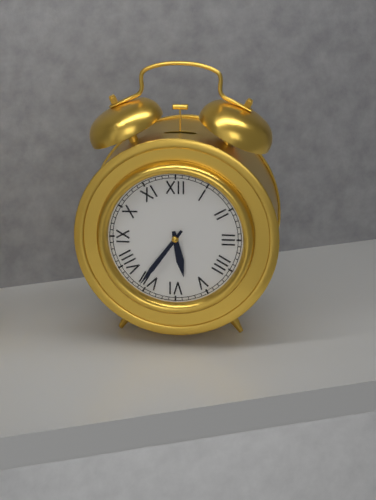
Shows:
{"hour": 5, "minute": 36}
